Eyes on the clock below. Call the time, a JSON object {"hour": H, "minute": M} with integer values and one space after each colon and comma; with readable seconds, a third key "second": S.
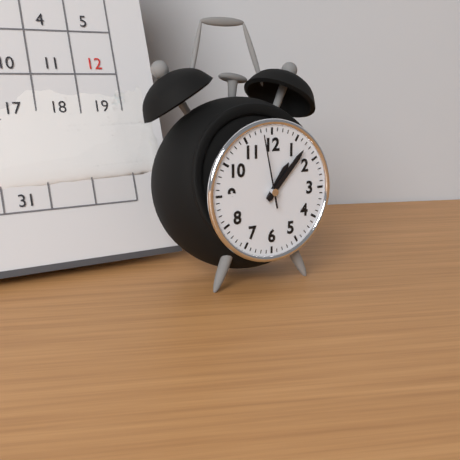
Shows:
{"hour": 1, "minute": 7, "second": 58}
